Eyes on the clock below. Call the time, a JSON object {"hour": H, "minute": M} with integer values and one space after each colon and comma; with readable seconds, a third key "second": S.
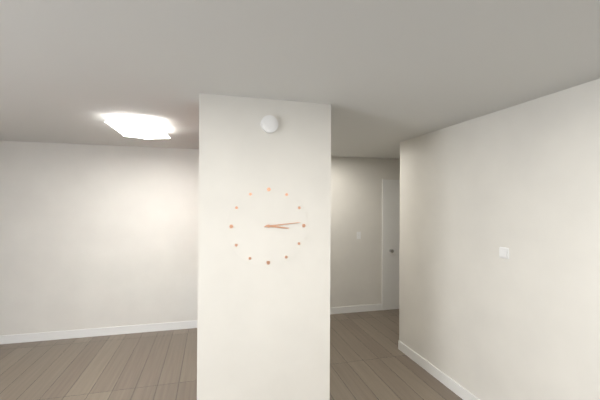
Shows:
{"hour": 3, "minute": 14}
